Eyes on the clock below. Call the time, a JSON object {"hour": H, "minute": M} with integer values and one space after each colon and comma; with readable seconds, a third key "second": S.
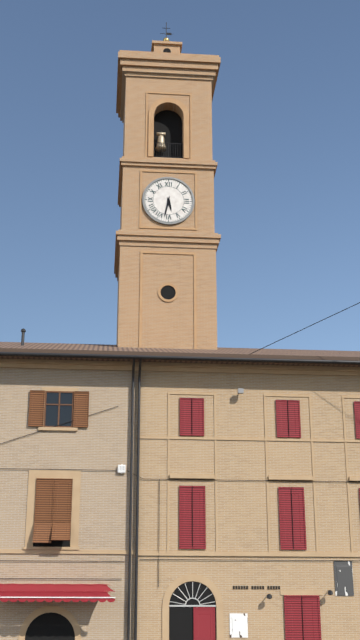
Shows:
{"hour": 5, "minute": 32}
